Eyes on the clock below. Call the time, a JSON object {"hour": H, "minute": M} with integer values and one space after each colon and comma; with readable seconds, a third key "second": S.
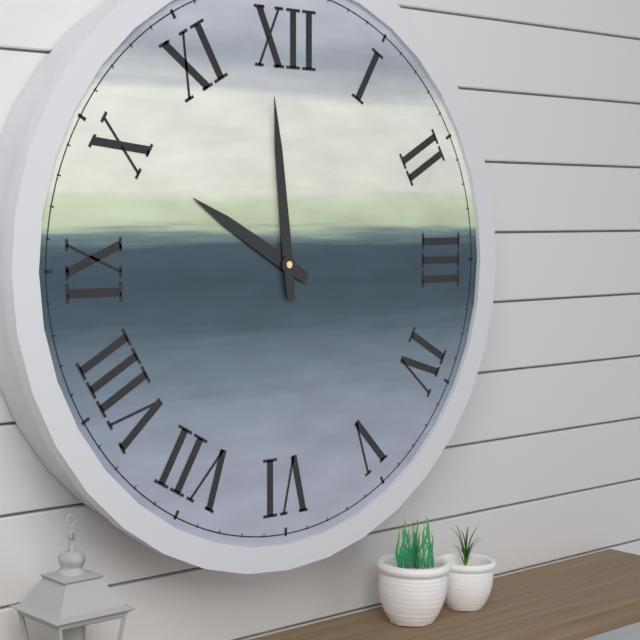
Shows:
{"hour": 9, "minute": 59}
